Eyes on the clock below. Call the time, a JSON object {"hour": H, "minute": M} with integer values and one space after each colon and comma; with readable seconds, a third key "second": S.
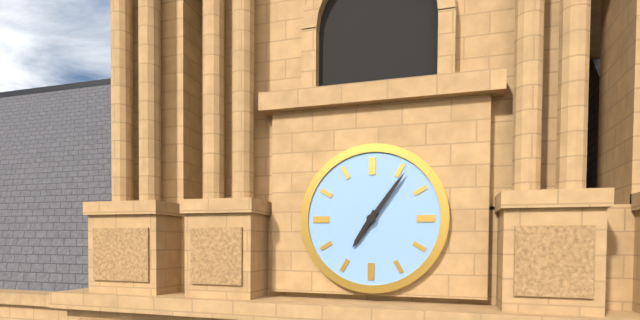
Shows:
{"hour": 7, "minute": 6}
